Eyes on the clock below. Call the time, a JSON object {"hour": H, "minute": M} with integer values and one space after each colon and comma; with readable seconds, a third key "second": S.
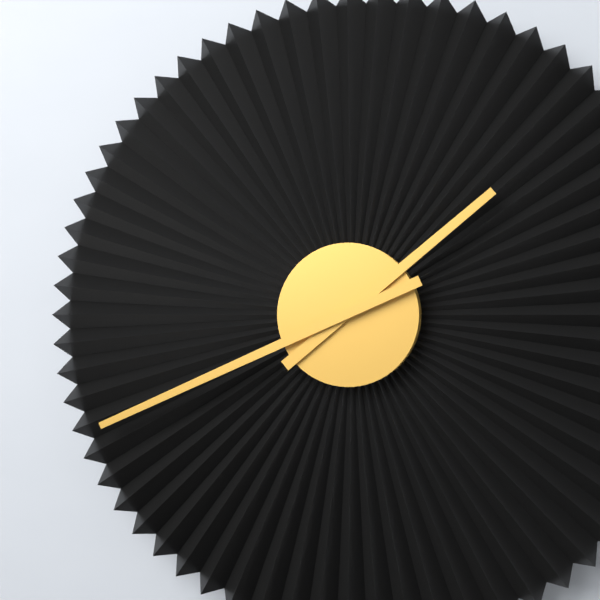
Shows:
{"hour": 1, "minute": 41}
